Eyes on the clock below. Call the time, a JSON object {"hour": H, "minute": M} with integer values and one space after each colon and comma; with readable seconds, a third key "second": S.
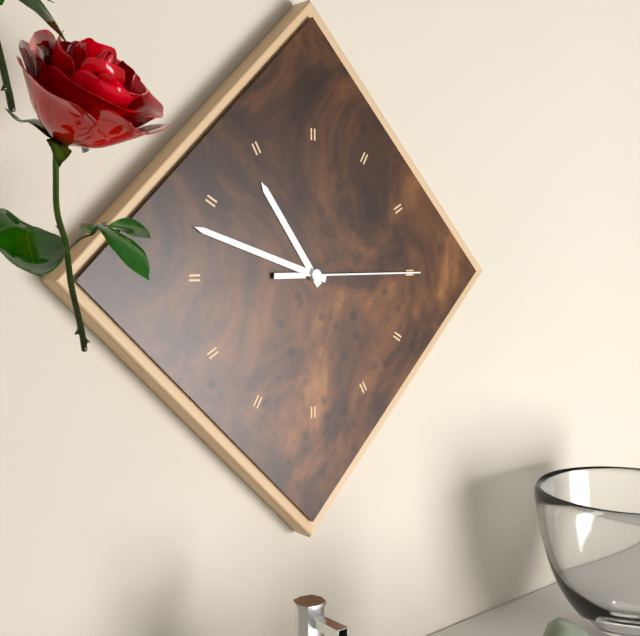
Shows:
{"hour": 10, "minute": 48, "second": 15}
